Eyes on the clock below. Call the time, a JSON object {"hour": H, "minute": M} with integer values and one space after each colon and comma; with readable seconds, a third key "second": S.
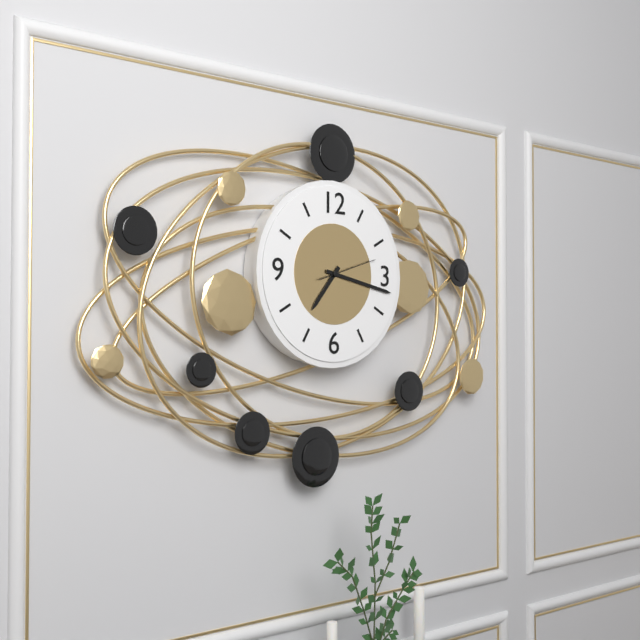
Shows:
{"hour": 7, "minute": 17, "second": 12}
